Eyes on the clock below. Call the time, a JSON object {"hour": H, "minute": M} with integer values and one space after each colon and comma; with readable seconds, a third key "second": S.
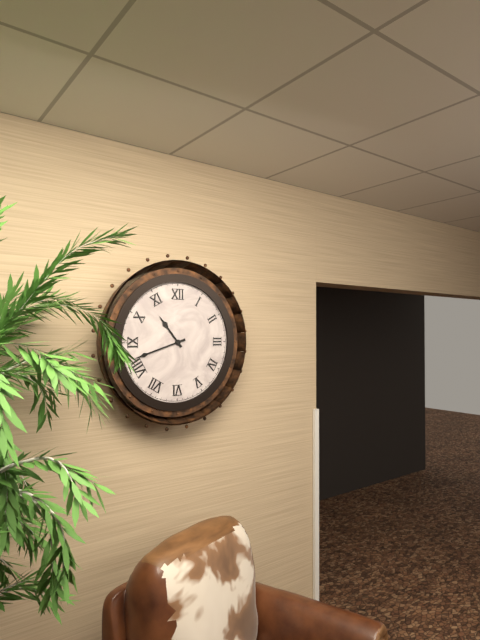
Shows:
{"hour": 10, "minute": 42}
